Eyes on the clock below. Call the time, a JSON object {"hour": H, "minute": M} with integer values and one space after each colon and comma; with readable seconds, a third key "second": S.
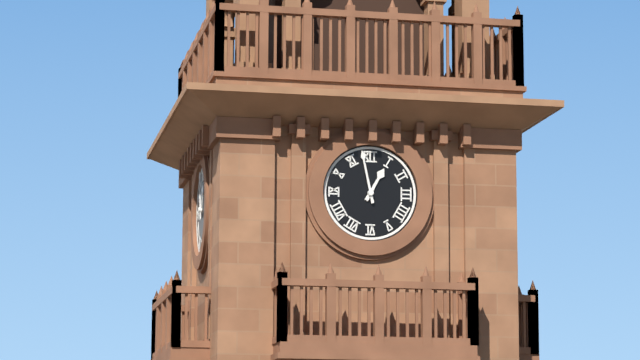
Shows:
{"hour": 12, "minute": 58}
